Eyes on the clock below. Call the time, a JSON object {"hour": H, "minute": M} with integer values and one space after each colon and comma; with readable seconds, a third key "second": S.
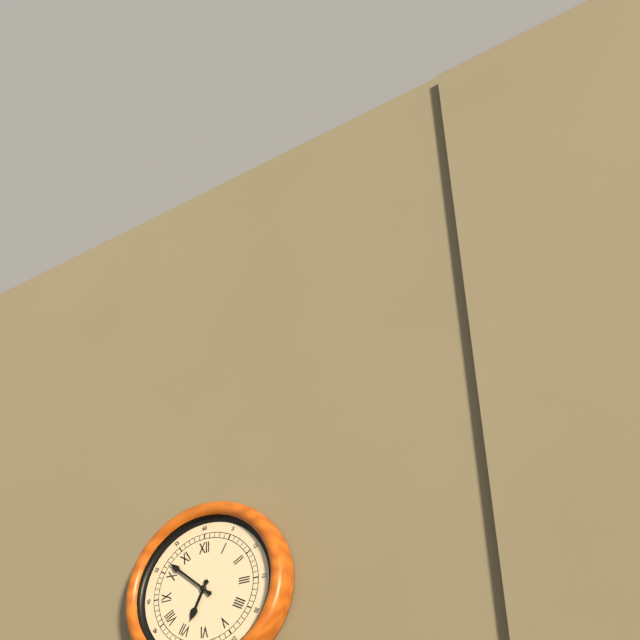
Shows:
{"hour": 6, "minute": 52}
